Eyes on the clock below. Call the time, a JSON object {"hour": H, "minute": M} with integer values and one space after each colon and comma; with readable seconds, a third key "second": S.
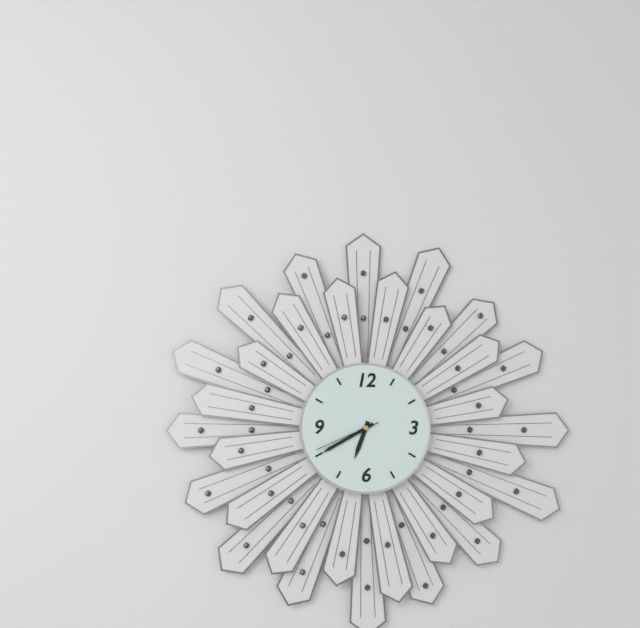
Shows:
{"hour": 6, "minute": 40, "second": 41}
